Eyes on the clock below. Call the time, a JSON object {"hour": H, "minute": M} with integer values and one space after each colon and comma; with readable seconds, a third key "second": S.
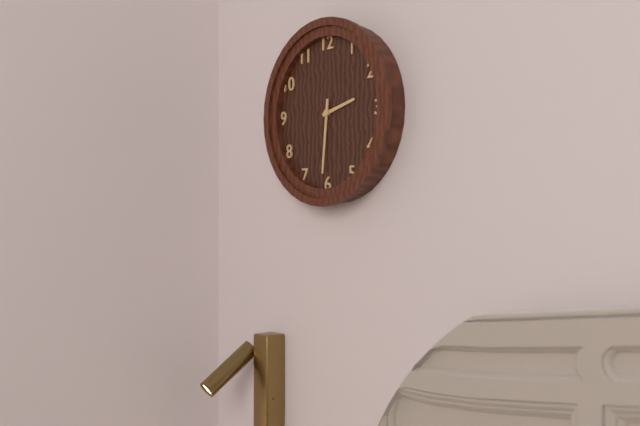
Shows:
{"hour": 2, "minute": 31}
